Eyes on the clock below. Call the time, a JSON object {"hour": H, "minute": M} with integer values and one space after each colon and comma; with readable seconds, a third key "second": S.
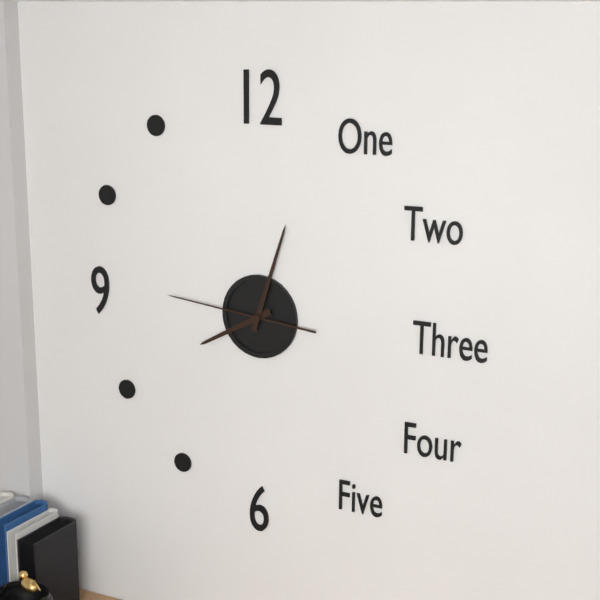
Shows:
{"hour": 8, "minute": 3, "second": 46}
